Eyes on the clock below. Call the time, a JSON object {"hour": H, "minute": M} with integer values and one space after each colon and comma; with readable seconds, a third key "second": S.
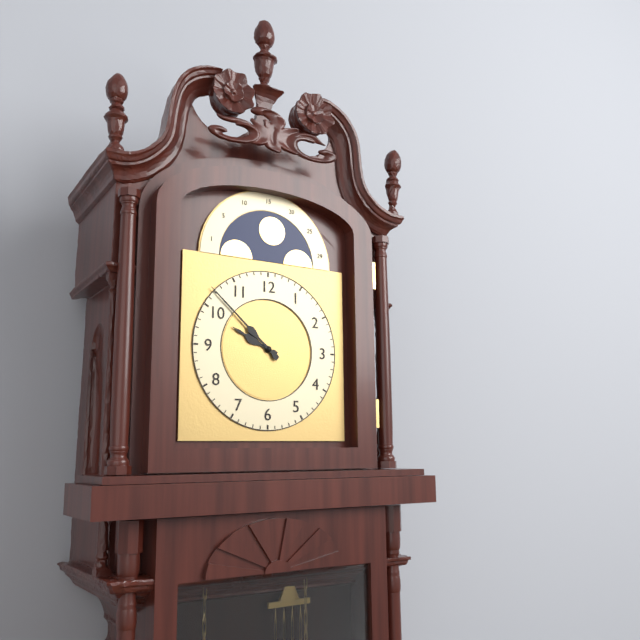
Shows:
{"hour": 9, "minute": 52}
